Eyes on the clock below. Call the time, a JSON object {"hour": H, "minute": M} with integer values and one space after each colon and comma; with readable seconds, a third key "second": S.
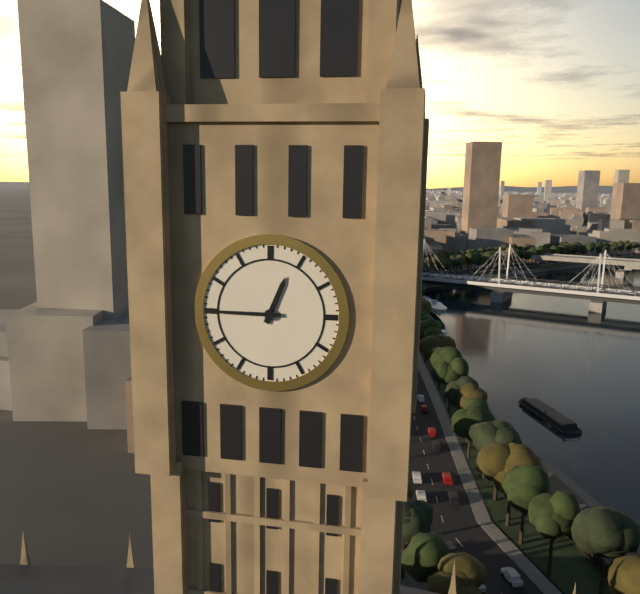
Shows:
{"hour": 12, "minute": 45}
